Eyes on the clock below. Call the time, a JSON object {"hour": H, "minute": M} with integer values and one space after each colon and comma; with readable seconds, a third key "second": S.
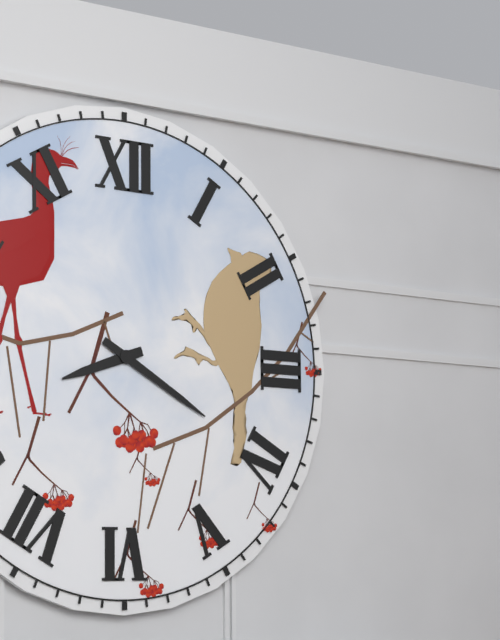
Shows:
{"hour": 8, "minute": 20}
